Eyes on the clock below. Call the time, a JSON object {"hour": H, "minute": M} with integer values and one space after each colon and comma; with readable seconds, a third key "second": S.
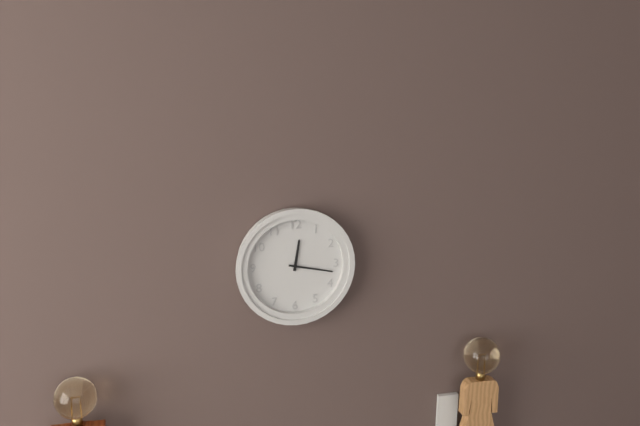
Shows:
{"hour": 12, "minute": 17}
